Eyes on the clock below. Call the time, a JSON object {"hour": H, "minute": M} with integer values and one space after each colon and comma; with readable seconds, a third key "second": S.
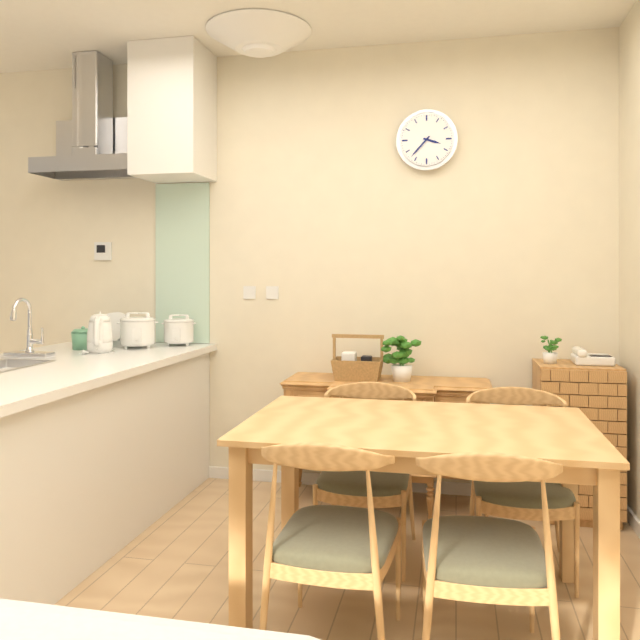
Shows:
{"hour": 3, "minute": 37}
